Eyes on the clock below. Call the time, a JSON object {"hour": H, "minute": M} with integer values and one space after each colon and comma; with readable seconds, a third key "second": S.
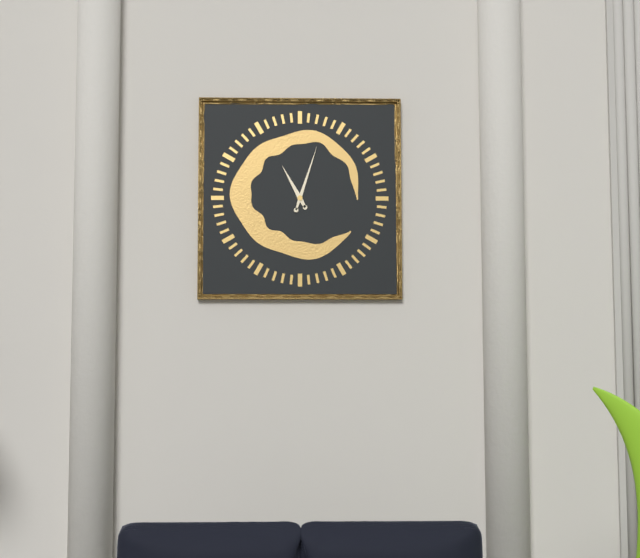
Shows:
{"hour": 11, "minute": 3}
